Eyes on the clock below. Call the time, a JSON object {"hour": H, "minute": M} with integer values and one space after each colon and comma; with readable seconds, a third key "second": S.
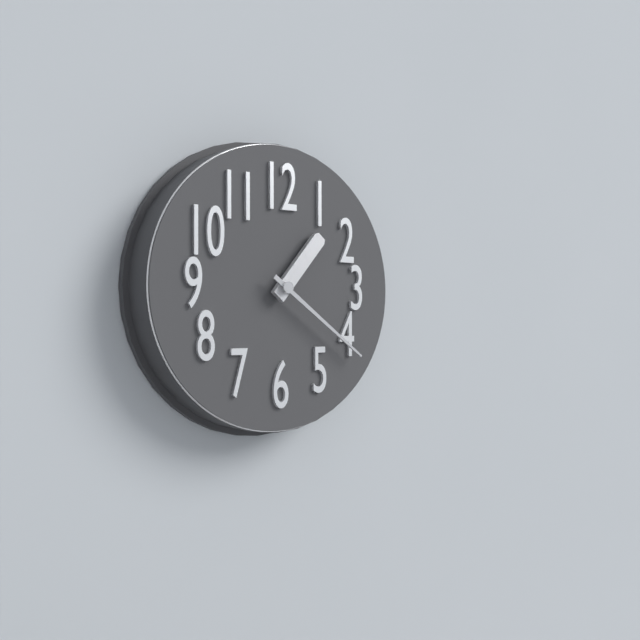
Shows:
{"hour": 1, "minute": 21}
